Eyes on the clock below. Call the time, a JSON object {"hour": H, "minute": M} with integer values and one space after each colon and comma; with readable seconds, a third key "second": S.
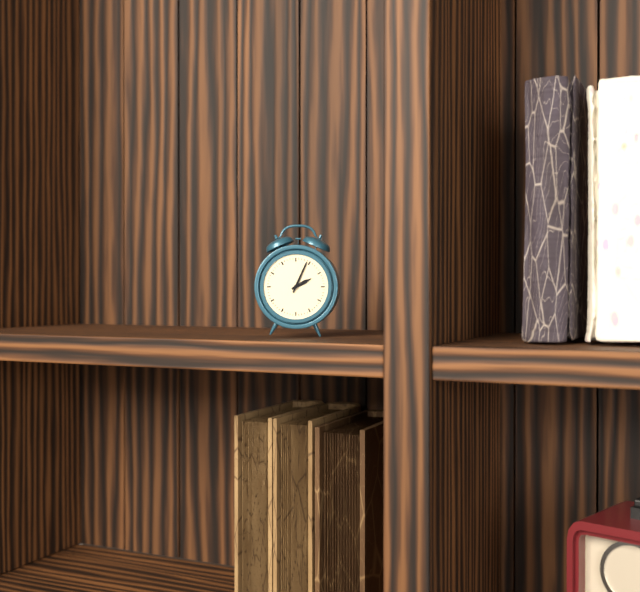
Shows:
{"hour": 2, "minute": 4}
